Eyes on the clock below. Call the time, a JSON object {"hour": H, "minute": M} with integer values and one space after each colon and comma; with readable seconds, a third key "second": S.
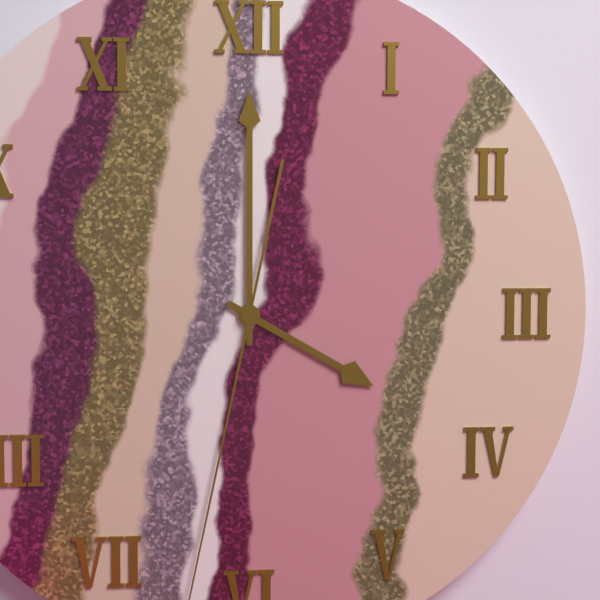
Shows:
{"hour": 4, "minute": 0}
